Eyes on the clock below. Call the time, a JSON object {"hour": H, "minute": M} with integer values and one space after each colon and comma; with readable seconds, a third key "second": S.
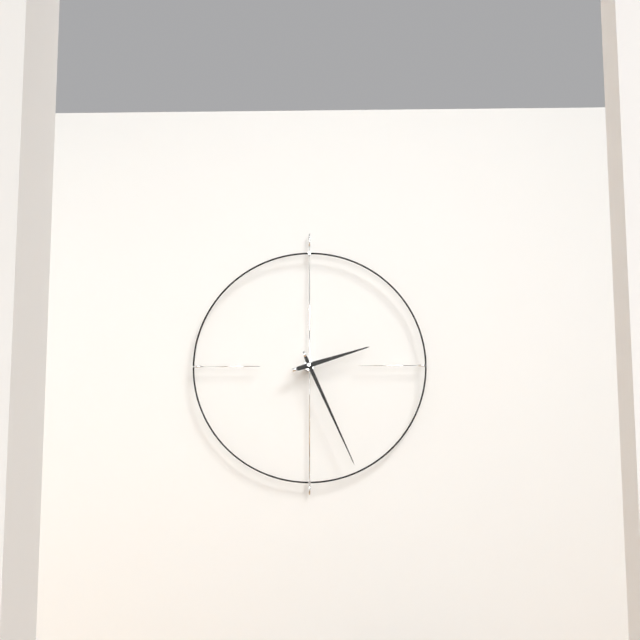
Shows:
{"hour": 2, "minute": 26}
